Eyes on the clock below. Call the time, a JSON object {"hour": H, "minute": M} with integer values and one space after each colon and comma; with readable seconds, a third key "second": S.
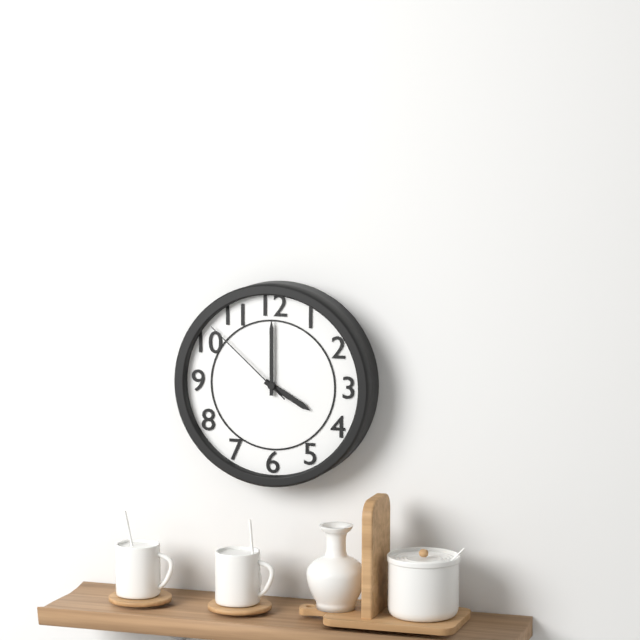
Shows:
{"hour": 4, "minute": 0, "second": 52}
